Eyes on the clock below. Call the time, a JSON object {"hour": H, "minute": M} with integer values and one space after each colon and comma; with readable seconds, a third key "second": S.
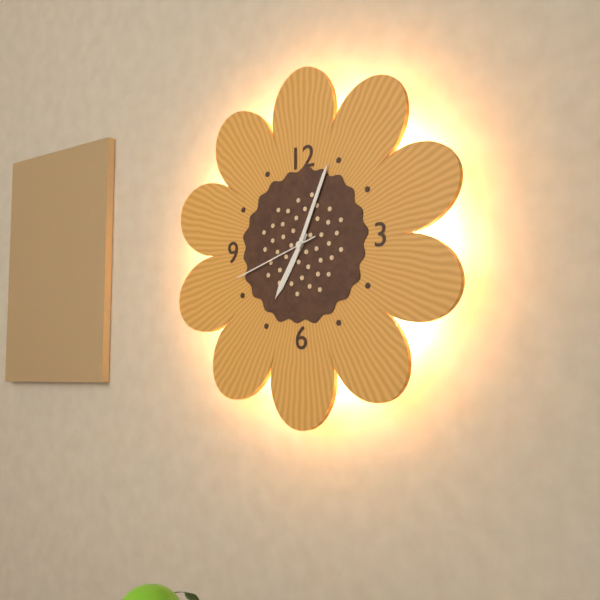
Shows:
{"hour": 7, "minute": 4, "second": 42}
